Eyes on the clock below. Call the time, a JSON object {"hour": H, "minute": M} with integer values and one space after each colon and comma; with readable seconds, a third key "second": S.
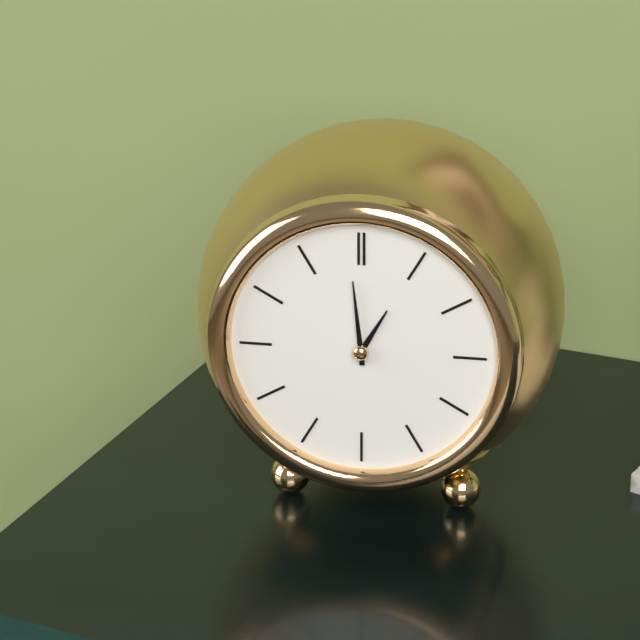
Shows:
{"hour": 12, "minute": 59}
